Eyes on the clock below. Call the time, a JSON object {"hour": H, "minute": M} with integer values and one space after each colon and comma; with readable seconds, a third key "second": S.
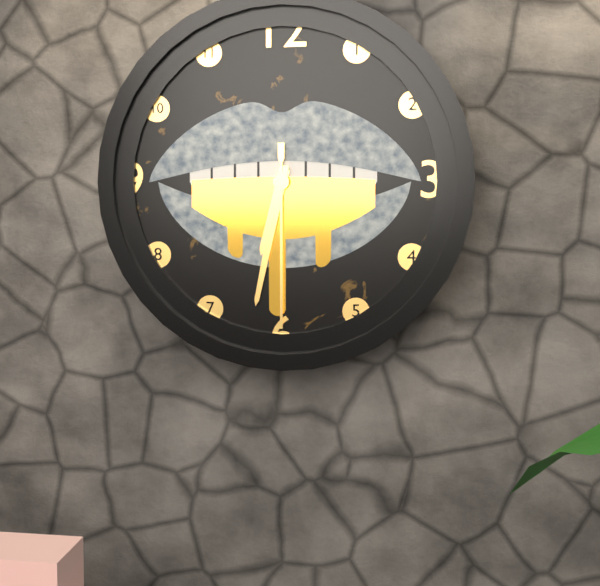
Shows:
{"hour": 6, "minute": 32, "second": 30}
